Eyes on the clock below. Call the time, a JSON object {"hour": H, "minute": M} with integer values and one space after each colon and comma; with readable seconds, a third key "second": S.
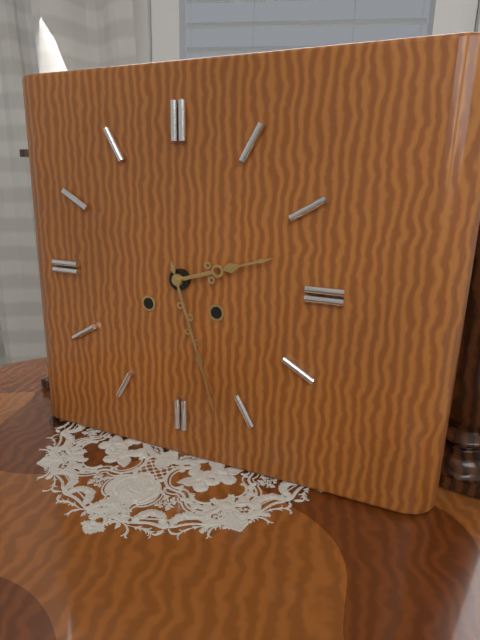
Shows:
{"hour": 2, "minute": 27}
